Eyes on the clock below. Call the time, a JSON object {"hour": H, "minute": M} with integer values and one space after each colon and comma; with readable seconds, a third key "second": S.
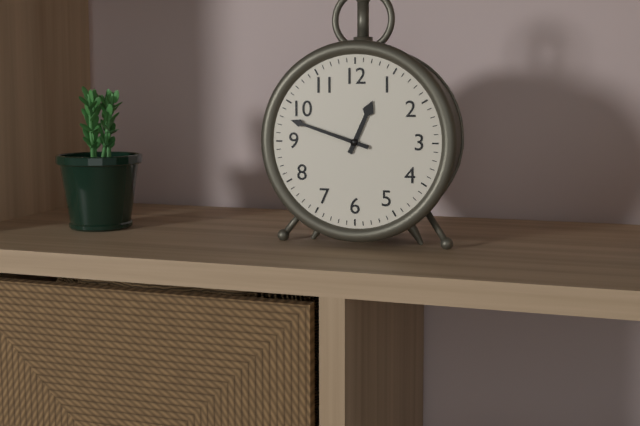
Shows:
{"hour": 12, "minute": 48}
